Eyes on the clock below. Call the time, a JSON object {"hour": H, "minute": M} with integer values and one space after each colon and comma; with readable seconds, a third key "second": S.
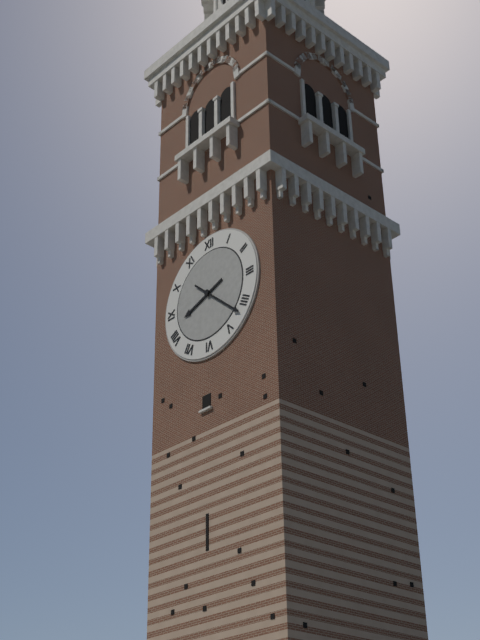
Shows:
{"hour": 8, "minute": 22}
